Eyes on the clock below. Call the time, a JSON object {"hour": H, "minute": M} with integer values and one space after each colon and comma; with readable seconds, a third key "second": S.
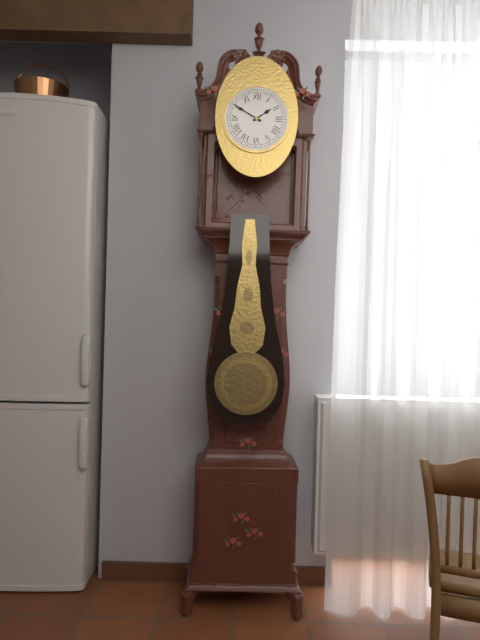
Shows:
{"hour": 1, "minute": 50}
